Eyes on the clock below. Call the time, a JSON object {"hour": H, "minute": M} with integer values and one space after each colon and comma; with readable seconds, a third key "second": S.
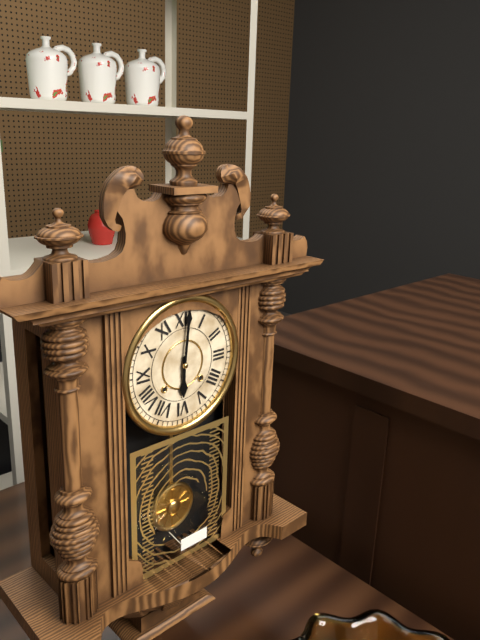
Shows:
{"hour": 6, "minute": 1}
